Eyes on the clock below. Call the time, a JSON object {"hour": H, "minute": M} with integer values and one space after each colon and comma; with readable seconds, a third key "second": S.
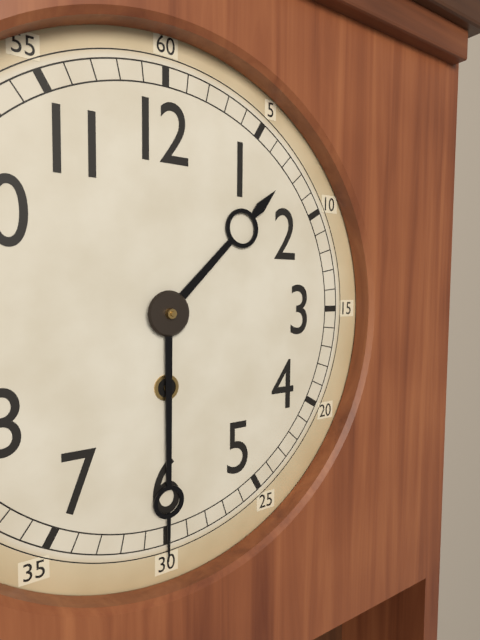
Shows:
{"hour": 1, "minute": 30}
